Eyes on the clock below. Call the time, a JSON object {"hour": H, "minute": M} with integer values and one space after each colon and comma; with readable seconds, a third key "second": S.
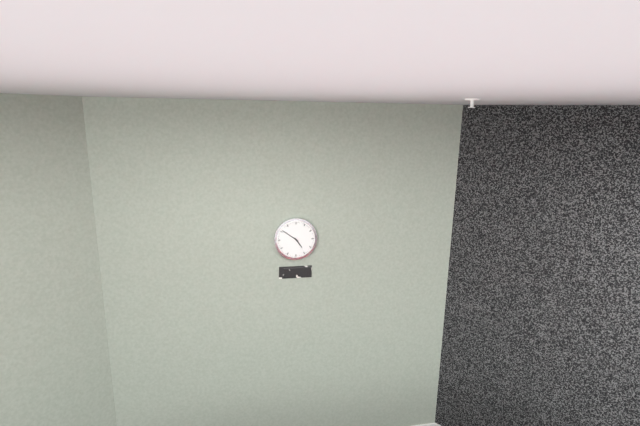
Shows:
{"hour": 4, "minute": 51}
